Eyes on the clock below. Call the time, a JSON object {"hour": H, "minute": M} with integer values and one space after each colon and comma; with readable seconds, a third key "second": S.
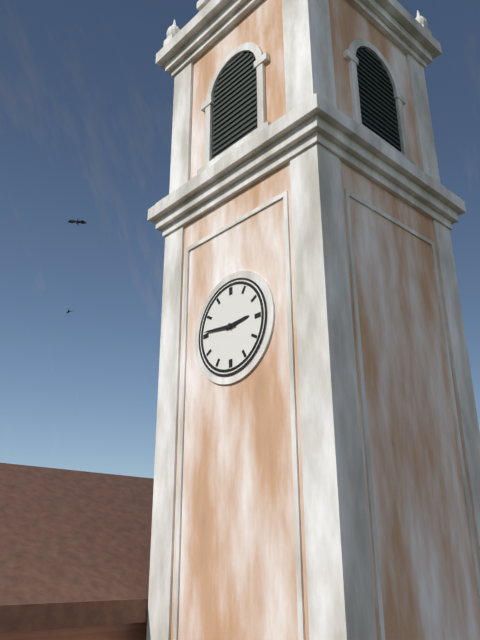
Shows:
{"hour": 2, "minute": 46}
